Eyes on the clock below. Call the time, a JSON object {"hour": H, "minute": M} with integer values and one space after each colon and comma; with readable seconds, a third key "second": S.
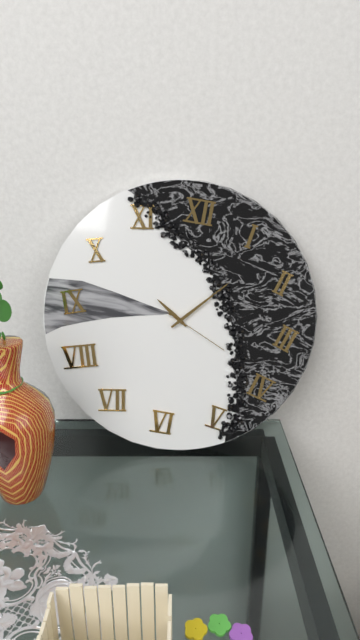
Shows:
{"hour": 10, "minute": 7, "second": 19}
